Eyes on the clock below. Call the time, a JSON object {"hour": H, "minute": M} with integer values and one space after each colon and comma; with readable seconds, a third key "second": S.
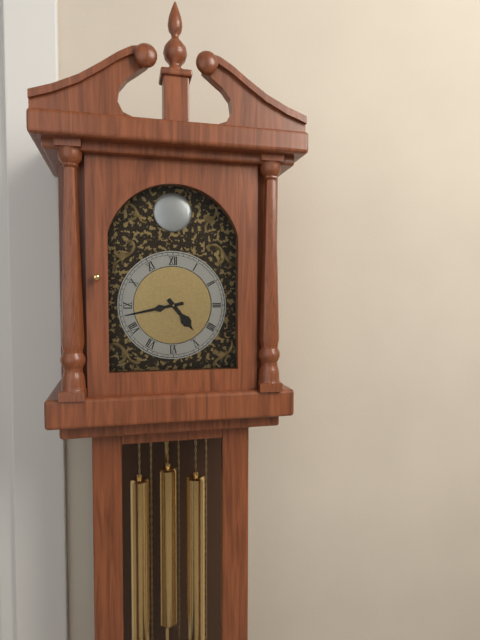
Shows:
{"hour": 4, "minute": 43}
